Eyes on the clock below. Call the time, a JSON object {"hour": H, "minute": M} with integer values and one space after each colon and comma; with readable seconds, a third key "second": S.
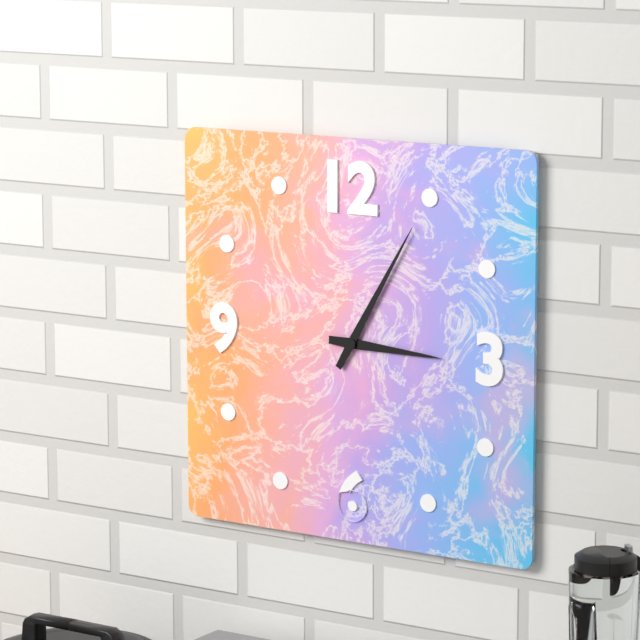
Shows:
{"hour": 3, "minute": 5}
